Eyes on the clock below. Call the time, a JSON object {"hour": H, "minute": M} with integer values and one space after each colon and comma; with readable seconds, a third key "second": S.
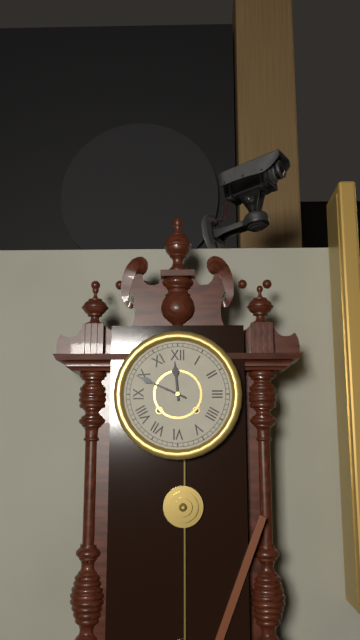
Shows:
{"hour": 11, "minute": 49}
